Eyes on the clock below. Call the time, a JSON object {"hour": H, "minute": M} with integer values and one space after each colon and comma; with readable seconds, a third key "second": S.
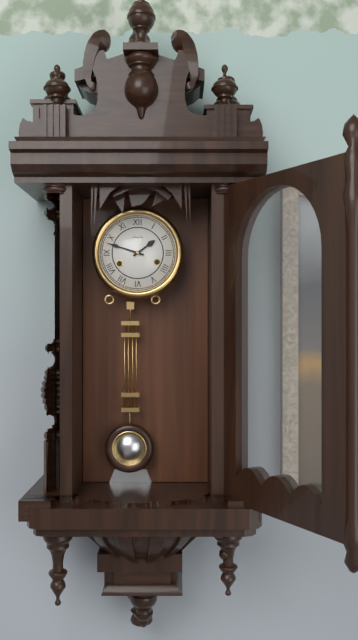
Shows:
{"hour": 1, "minute": 48}
